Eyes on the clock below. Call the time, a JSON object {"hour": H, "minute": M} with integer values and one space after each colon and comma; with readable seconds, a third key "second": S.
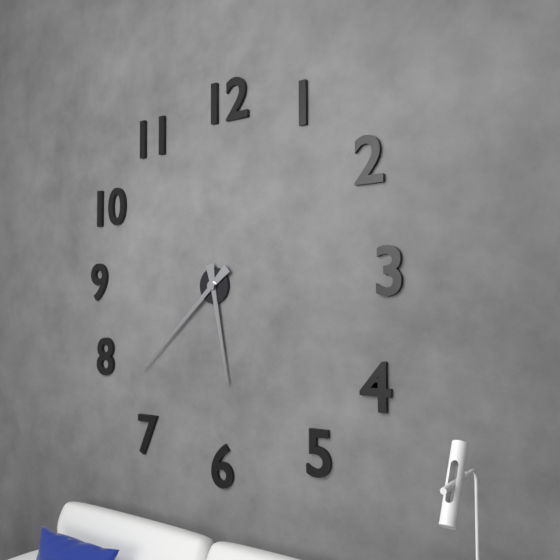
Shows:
{"hour": 5, "minute": 38}
